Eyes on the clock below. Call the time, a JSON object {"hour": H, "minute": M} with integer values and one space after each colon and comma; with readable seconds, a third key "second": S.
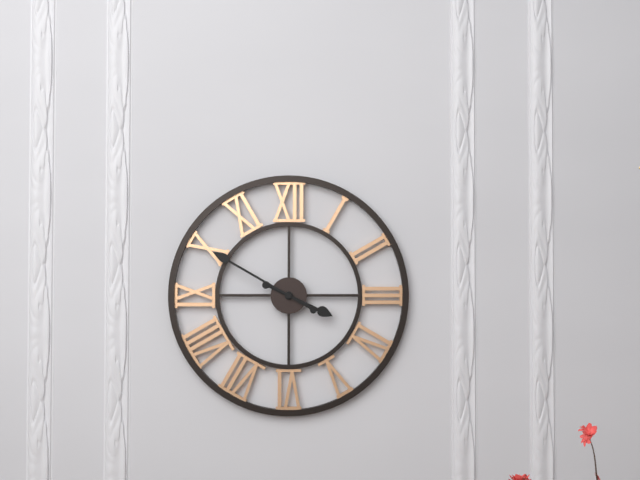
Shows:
{"hour": 3, "minute": 50}
